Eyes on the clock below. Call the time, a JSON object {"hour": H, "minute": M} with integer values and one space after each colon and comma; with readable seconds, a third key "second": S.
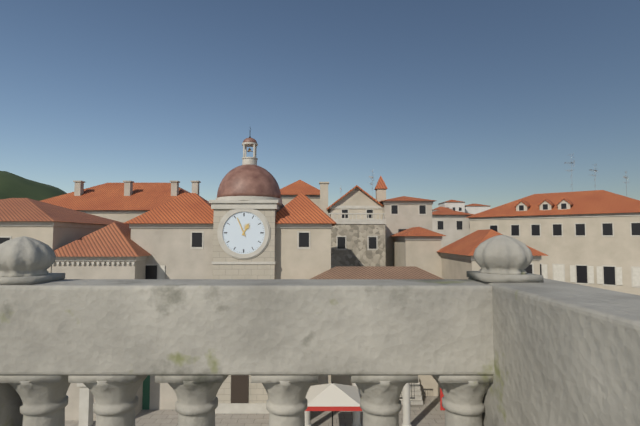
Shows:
{"hour": 12, "minute": 56}
